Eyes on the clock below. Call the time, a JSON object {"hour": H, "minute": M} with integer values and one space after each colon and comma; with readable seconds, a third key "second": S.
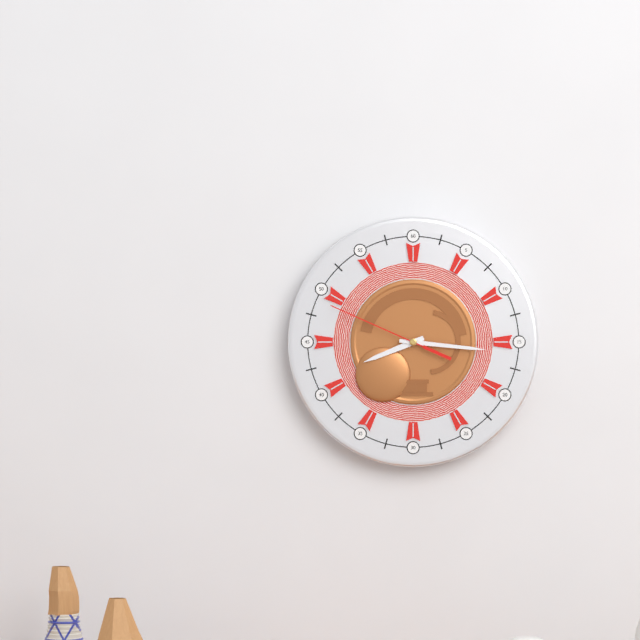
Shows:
{"hour": 8, "minute": 16, "second": 49}
